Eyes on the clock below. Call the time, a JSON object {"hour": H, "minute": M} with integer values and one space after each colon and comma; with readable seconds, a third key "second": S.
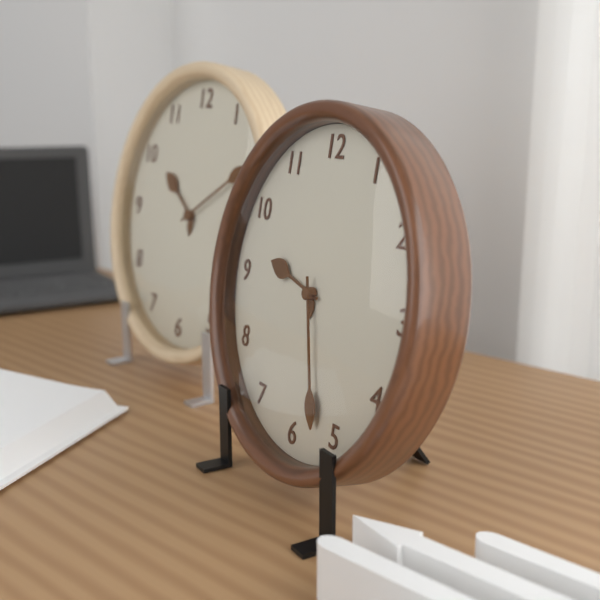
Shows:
{"hour": 9, "minute": 27}
